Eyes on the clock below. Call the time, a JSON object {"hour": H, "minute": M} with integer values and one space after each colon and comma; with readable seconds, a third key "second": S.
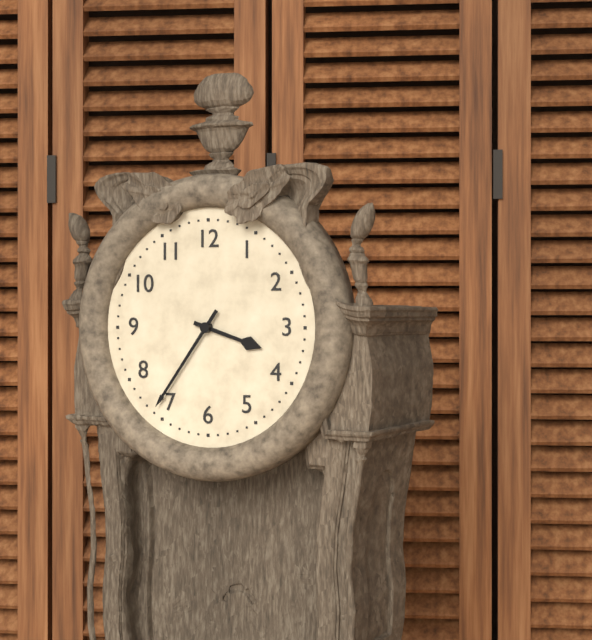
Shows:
{"hour": 3, "minute": 36}
